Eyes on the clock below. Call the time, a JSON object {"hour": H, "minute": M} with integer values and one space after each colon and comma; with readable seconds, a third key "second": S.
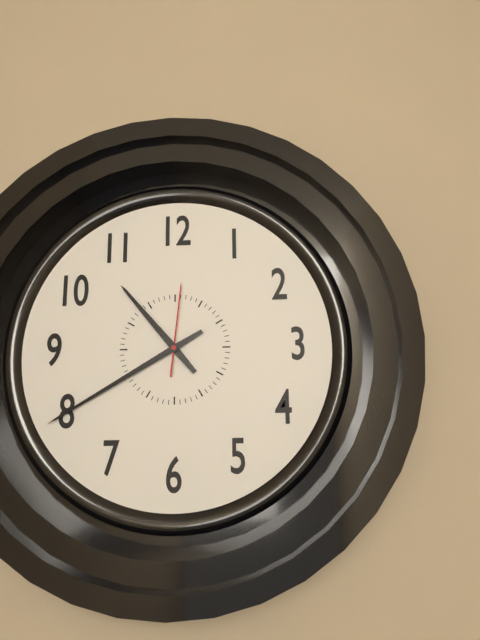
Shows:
{"hour": 10, "minute": 40, "second": 1}
